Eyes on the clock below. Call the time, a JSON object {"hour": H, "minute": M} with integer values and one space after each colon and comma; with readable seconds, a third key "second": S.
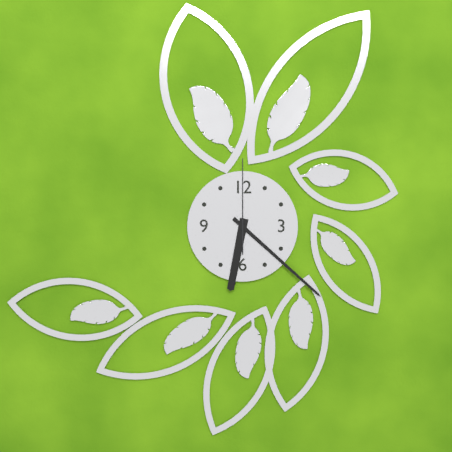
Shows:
{"hour": 6, "minute": 22, "second": 0}
